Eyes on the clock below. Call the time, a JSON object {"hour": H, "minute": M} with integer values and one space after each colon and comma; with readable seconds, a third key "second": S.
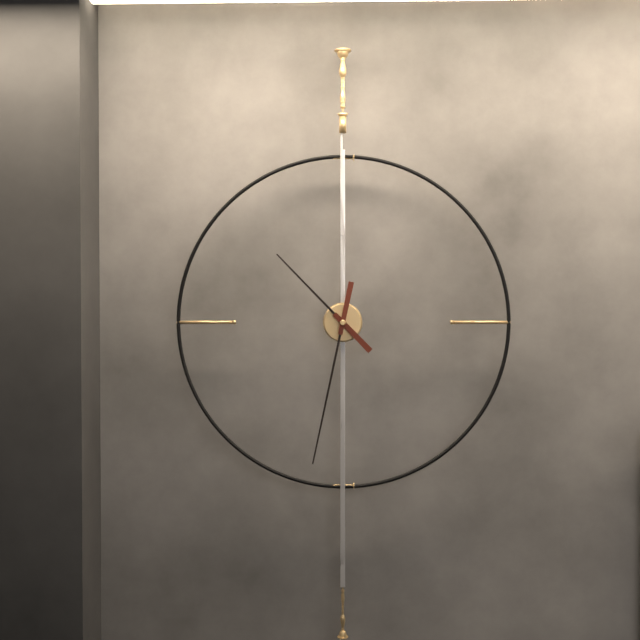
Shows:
{"hour": 10, "minute": 32}
